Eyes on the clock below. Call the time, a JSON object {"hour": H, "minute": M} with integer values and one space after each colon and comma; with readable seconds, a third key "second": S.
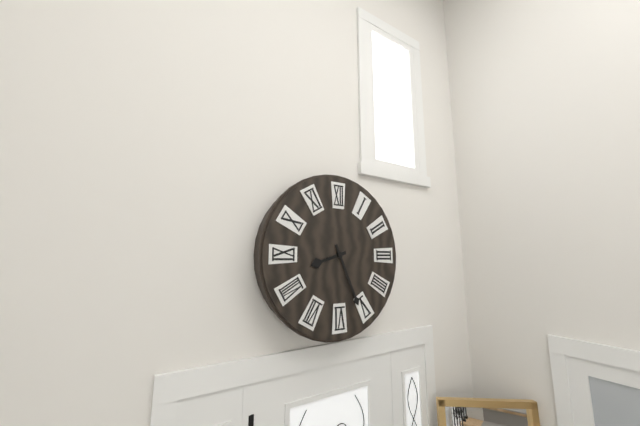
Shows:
{"hour": 8, "minute": 26}
